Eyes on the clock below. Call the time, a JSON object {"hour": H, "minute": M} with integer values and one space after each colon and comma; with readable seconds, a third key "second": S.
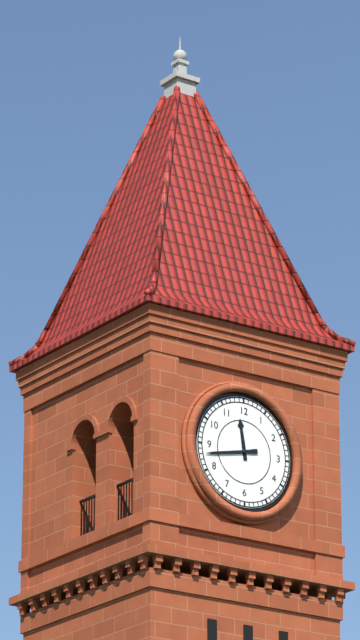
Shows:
{"hour": 11, "minute": 43}
